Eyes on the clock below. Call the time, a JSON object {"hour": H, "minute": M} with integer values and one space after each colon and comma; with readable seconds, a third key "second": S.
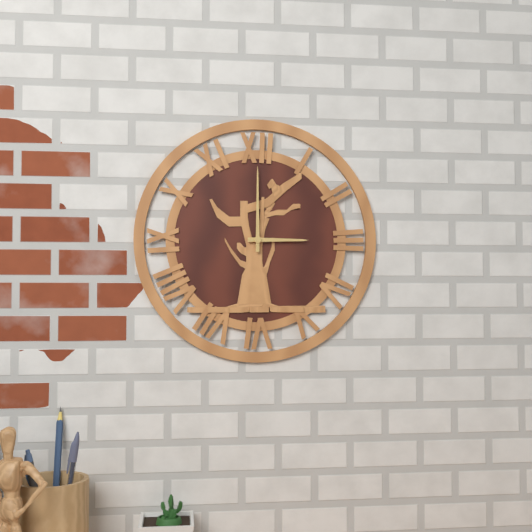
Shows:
{"hour": 3, "minute": 0}
